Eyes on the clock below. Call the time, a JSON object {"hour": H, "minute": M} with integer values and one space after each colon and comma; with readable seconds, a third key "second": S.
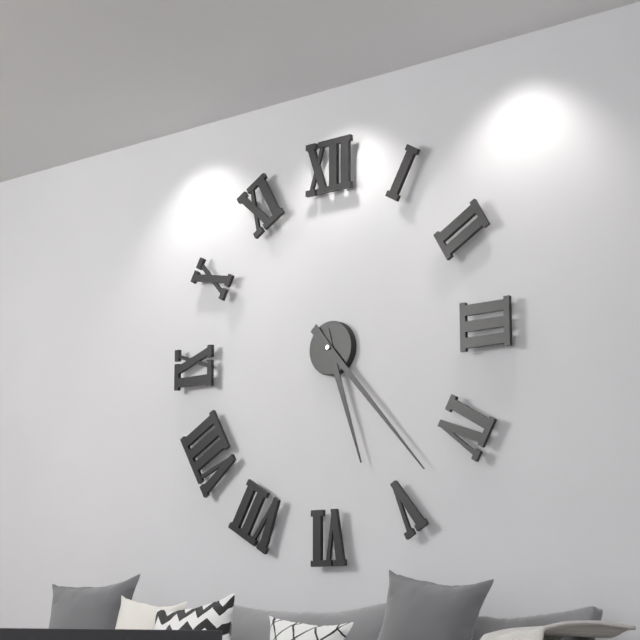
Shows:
{"hour": 5, "minute": 23}
